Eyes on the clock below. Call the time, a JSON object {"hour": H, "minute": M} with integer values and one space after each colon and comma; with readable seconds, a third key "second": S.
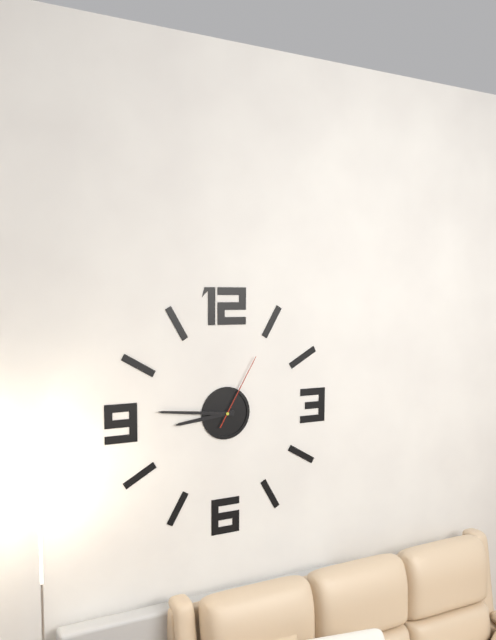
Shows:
{"hour": 8, "minute": 46, "second": 5}
